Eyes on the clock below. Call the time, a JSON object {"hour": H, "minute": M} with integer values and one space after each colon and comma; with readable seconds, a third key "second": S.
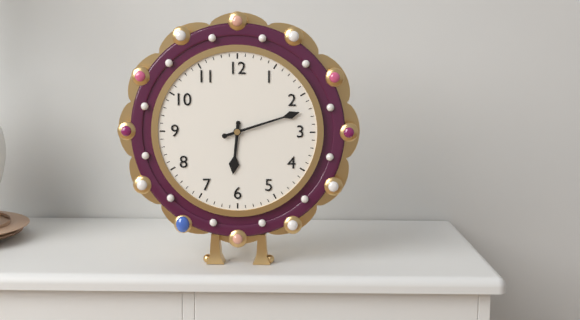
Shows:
{"hour": 6, "minute": 12}
